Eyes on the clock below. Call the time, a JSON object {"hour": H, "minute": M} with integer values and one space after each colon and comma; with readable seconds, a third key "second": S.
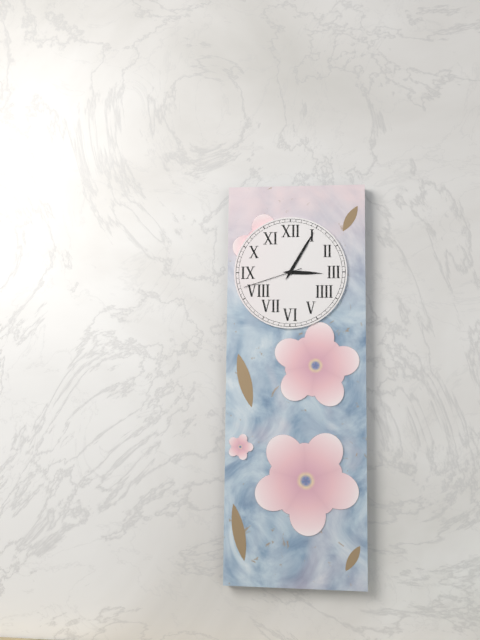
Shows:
{"hour": 3, "minute": 5, "second": 42}
